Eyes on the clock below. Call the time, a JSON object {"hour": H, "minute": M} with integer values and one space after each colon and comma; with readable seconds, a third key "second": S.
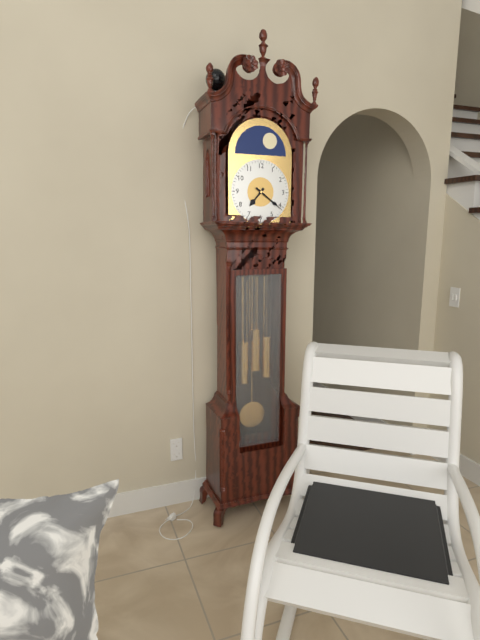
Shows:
{"hour": 7, "minute": 21}
